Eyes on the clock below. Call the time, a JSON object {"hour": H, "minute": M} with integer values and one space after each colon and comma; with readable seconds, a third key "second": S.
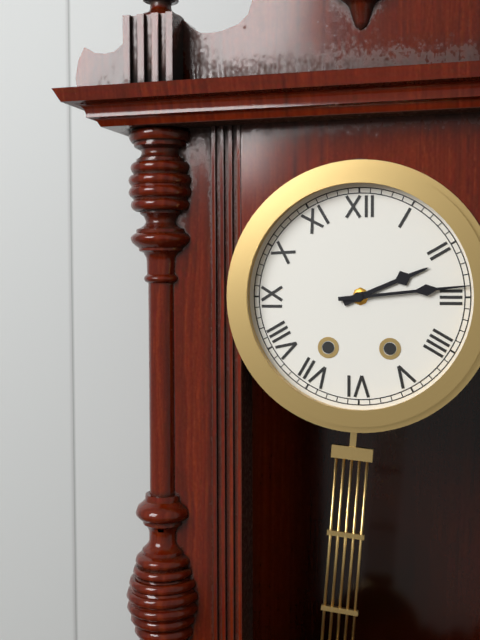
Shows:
{"hour": 2, "minute": 14}
